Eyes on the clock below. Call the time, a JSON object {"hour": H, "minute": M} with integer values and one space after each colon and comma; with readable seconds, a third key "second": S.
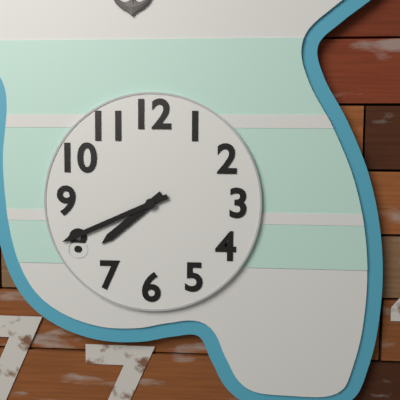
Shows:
{"hour": 7, "minute": 41}
